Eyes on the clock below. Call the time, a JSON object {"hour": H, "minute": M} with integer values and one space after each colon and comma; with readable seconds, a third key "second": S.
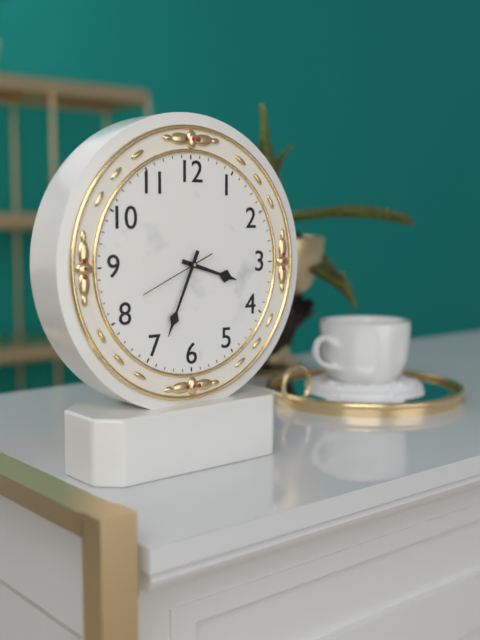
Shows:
{"hour": 3, "minute": 34, "second": 41}
